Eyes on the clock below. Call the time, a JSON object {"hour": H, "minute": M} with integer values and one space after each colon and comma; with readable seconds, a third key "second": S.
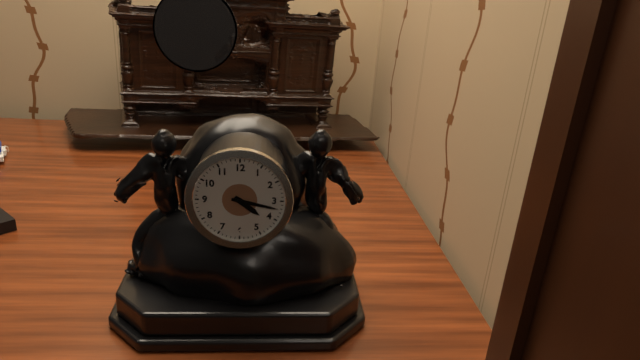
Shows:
{"hour": 4, "minute": 17}
